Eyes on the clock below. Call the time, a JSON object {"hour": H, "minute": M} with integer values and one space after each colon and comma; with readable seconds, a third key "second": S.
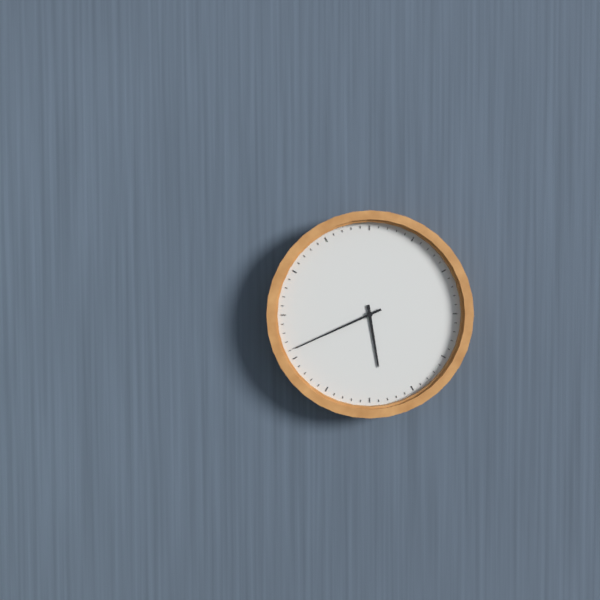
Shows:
{"hour": 5, "minute": 41}
